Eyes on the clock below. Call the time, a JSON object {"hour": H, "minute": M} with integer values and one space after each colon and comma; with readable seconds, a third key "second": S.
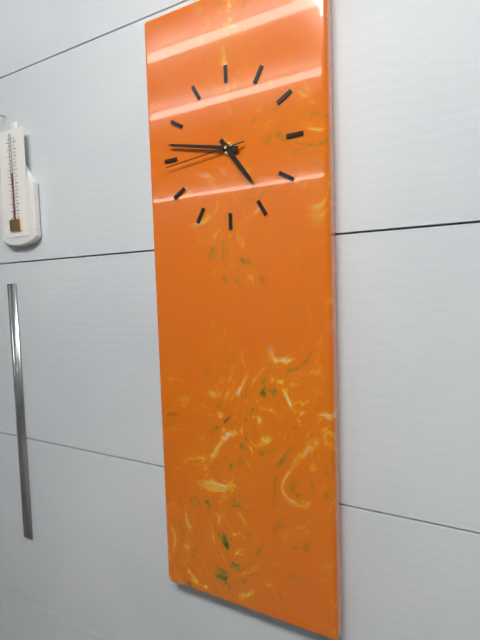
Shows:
{"hour": 4, "minute": 47, "second": 44}
